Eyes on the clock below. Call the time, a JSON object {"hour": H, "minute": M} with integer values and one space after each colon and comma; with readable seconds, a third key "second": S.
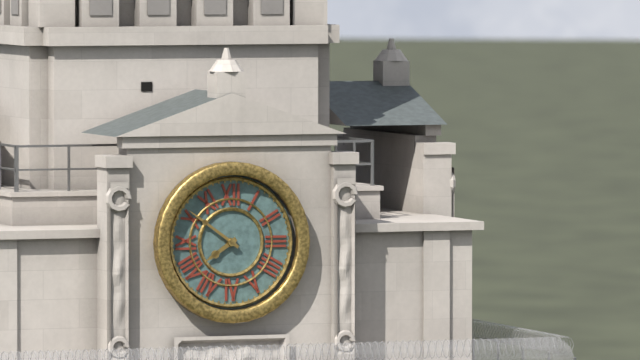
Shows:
{"hour": 7, "minute": 51}
